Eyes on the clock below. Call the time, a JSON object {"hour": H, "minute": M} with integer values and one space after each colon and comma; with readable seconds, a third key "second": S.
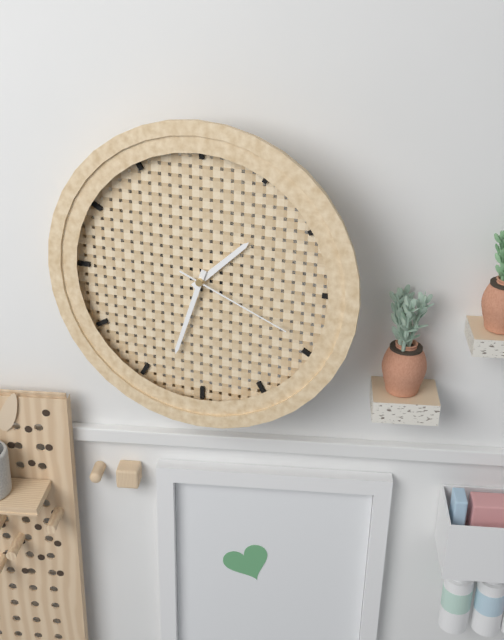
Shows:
{"hour": 1, "minute": 33, "second": 19}
